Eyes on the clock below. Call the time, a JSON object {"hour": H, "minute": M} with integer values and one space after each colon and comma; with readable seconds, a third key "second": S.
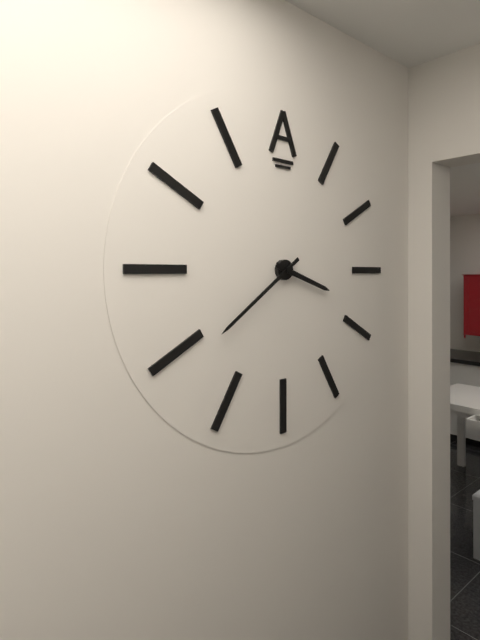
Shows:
{"hour": 3, "minute": 39}
